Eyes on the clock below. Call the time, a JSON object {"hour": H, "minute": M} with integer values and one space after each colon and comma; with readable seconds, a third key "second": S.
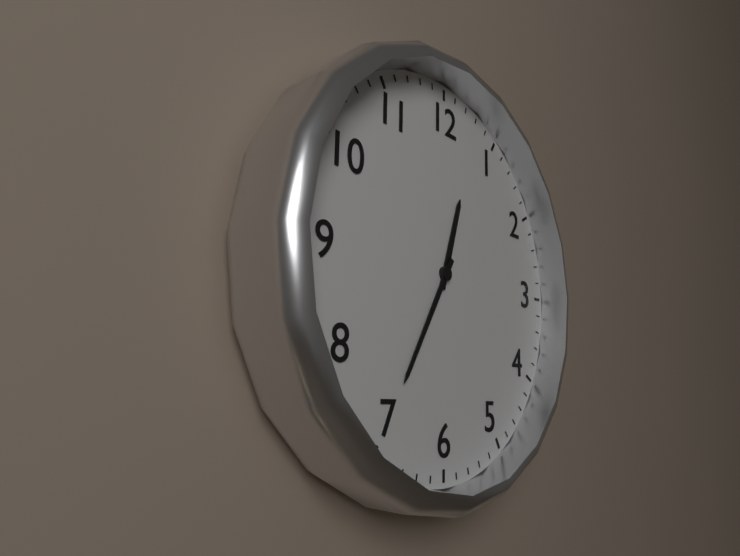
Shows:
{"hour": 12, "minute": 35}
